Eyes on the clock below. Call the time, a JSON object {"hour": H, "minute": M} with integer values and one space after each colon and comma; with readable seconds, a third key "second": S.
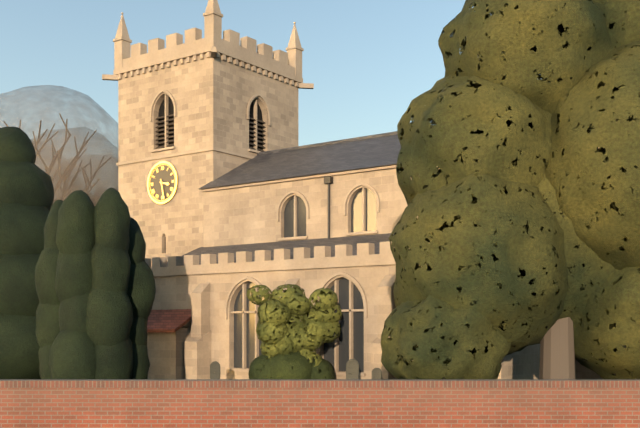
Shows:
{"hour": 3, "minute": 28}
